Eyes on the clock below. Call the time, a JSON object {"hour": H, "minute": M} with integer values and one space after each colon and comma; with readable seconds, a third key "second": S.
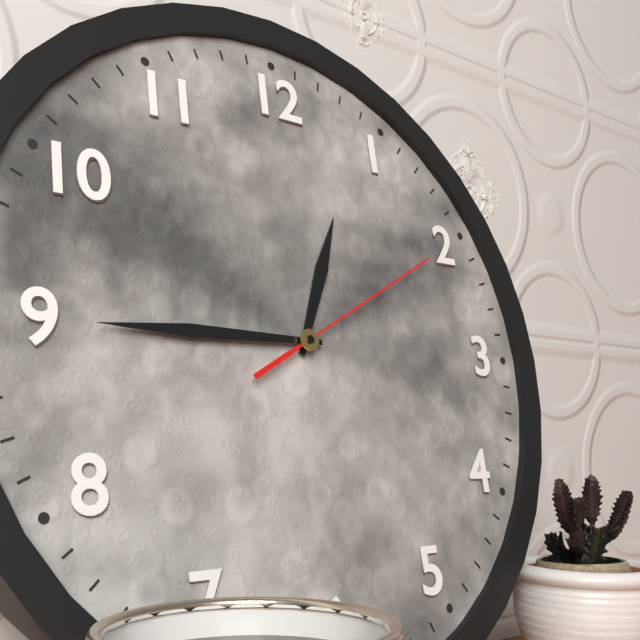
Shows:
{"hour": 12, "minute": 45, "second": 10}
